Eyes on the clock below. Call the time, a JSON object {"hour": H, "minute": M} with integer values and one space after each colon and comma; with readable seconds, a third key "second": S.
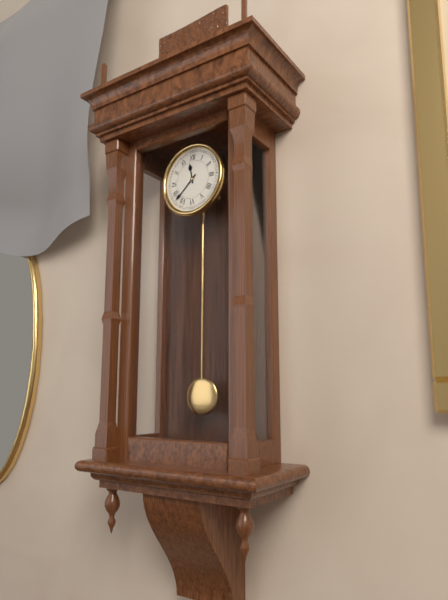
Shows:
{"hour": 11, "minute": 38}
